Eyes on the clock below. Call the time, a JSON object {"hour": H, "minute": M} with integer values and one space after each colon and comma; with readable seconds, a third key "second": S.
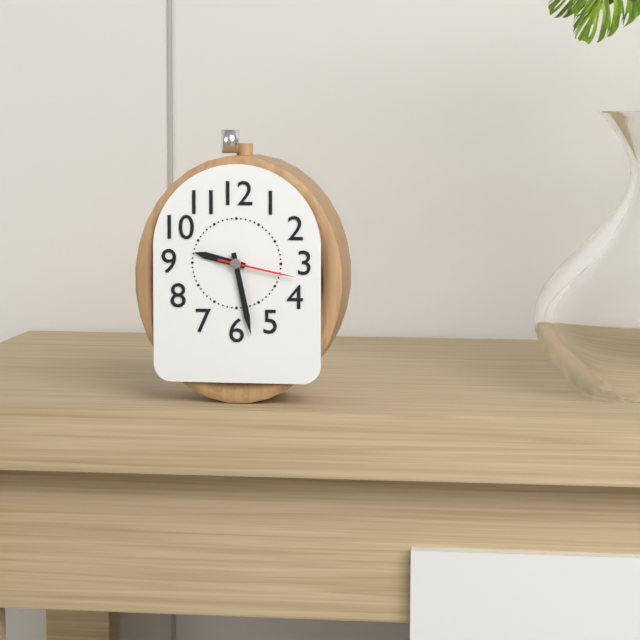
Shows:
{"hour": 9, "minute": 28, "second": 17}
